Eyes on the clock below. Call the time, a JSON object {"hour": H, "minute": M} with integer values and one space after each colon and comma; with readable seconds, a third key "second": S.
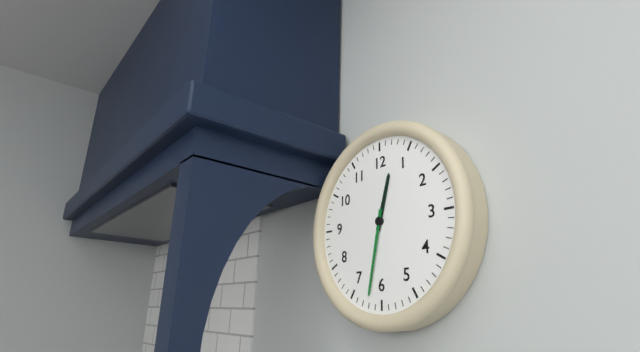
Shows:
{"hour": 12, "minute": 32}
